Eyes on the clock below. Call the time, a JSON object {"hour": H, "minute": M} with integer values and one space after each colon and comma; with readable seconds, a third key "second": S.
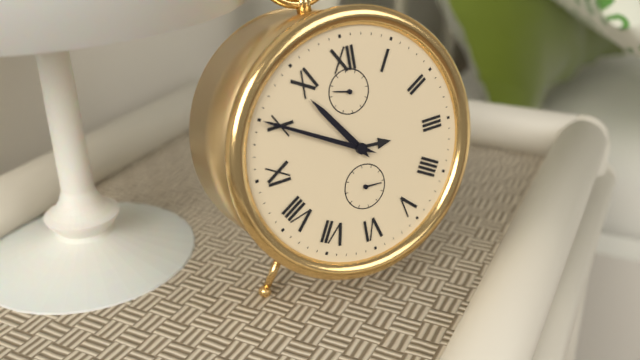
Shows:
{"hour": 10, "minute": 50}
